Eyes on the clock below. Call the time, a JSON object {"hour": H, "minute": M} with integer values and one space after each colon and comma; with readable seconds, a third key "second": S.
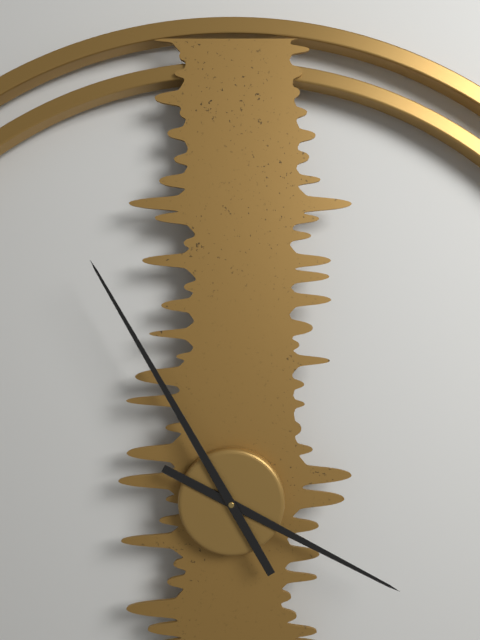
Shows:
{"hour": 3, "minute": 55}
